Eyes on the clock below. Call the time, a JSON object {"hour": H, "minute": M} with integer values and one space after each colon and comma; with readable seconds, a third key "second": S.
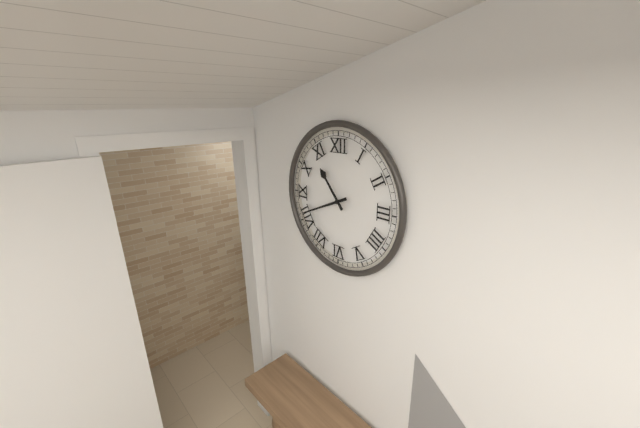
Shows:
{"hour": 10, "minute": 41}
